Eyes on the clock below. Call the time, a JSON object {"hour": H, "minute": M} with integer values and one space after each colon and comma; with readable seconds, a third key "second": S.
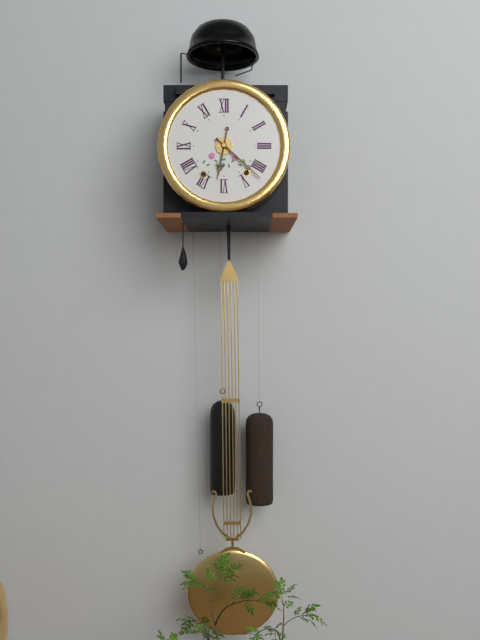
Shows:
{"hour": 6, "minute": 22}
